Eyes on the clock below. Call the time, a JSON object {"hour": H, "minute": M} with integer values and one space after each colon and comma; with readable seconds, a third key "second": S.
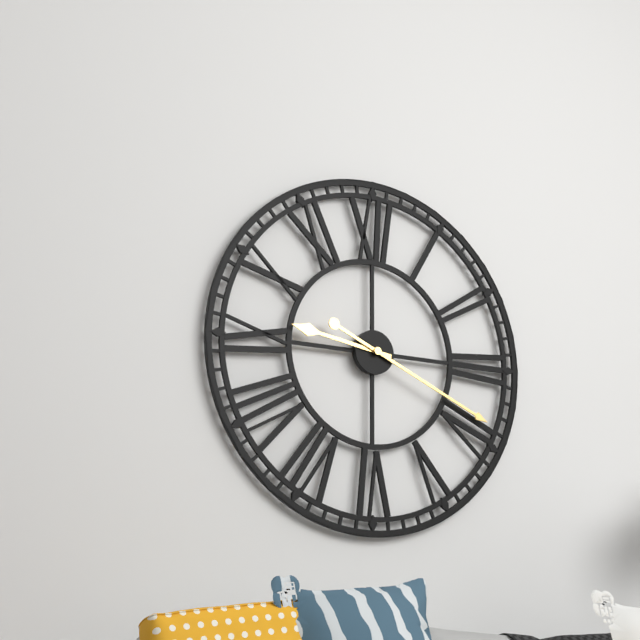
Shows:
{"hour": 9, "minute": 19}
